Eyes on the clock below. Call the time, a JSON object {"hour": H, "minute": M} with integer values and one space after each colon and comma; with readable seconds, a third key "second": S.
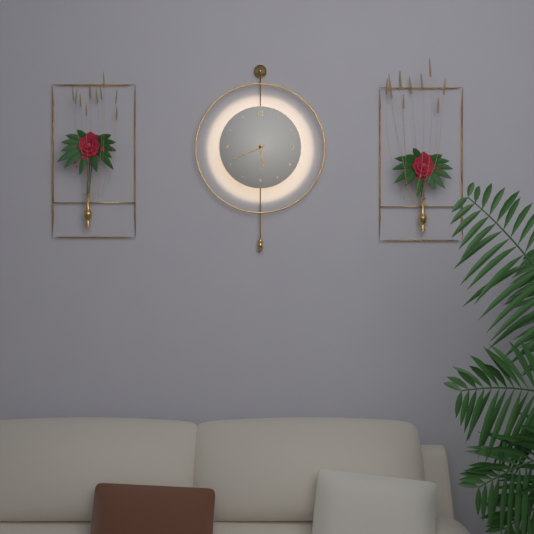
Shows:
{"hour": 5, "minute": 41}
